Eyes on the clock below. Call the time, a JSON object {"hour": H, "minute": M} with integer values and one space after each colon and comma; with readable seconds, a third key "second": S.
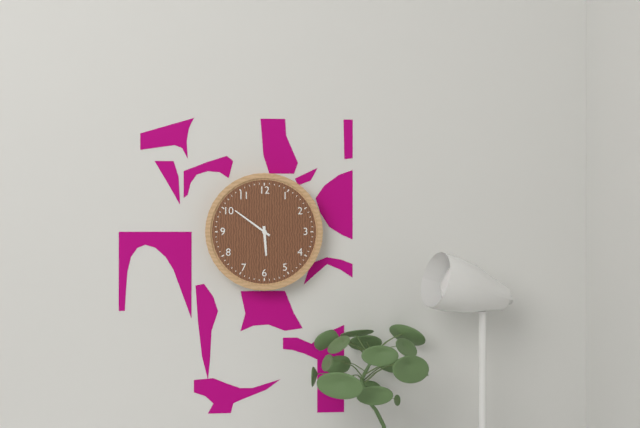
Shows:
{"hour": 5, "minute": 51}
